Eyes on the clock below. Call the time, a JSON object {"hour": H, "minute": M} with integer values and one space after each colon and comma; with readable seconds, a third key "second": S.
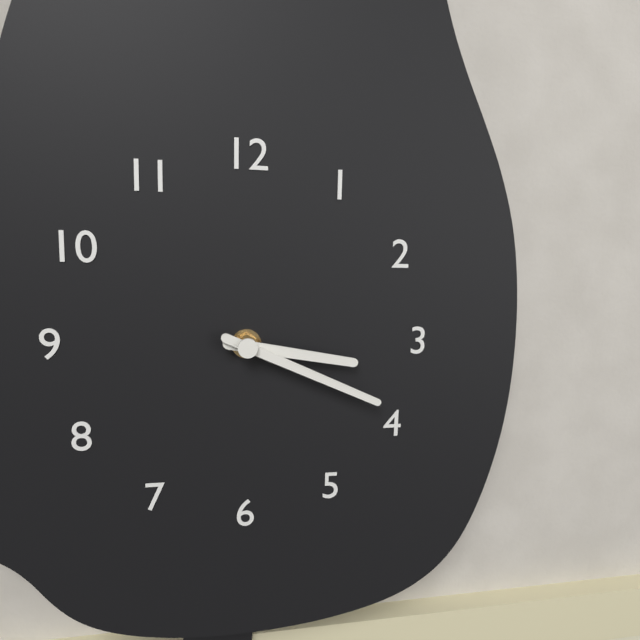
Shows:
{"hour": 3, "minute": 19}
